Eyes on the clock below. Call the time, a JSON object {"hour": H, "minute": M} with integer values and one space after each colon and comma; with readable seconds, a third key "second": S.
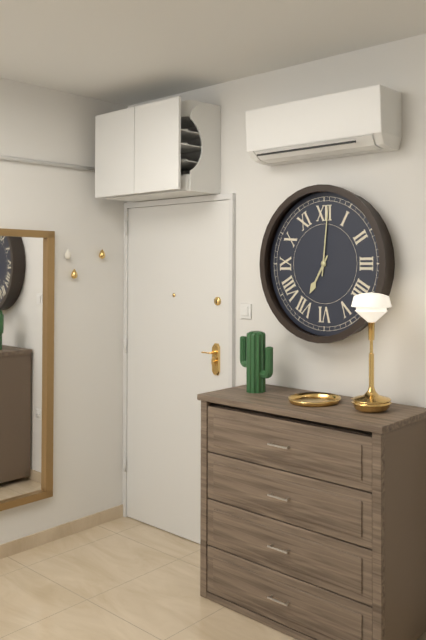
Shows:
{"hour": 7, "minute": 1}
